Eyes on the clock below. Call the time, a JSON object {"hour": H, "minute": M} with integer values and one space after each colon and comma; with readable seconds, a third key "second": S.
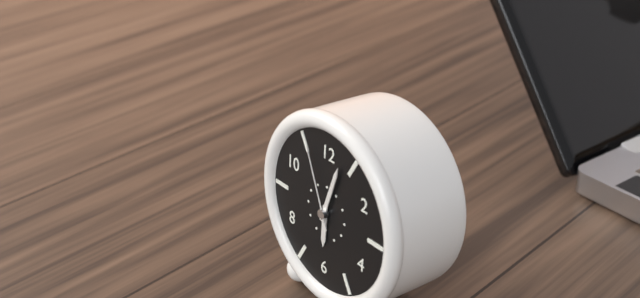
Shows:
{"hour": 6, "minute": 3, "second": 56}
